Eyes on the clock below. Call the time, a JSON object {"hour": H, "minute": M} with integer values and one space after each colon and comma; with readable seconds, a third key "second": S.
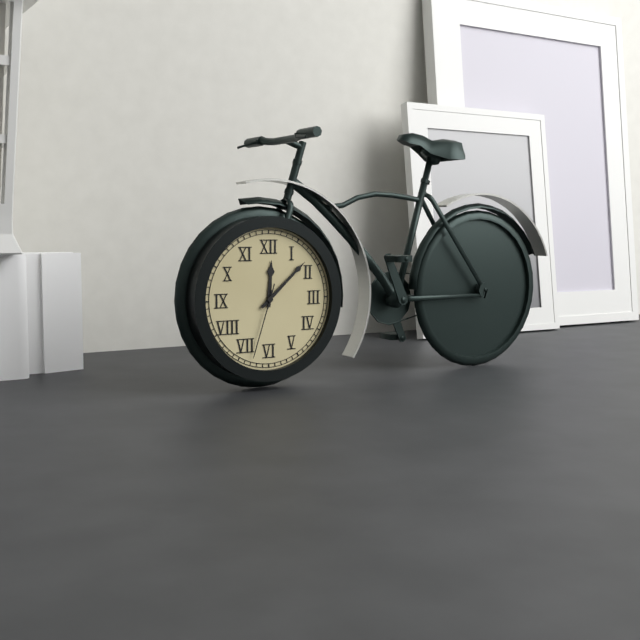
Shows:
{"hour": 12, "minute": 8, "second": 33}
